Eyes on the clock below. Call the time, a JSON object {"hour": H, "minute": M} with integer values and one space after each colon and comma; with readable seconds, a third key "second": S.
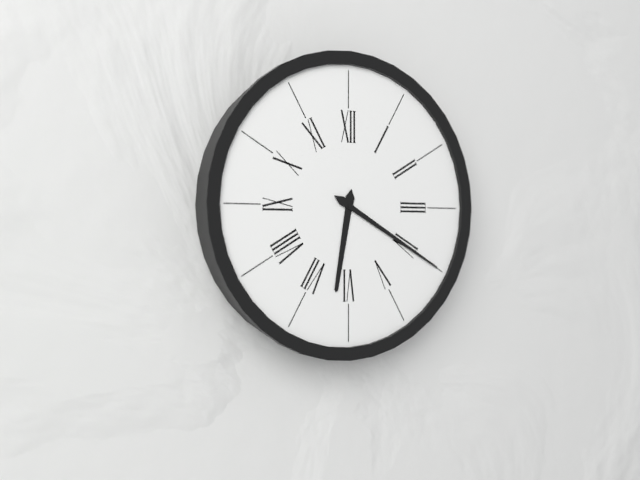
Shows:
{"hour": 6, "minute": 20}
